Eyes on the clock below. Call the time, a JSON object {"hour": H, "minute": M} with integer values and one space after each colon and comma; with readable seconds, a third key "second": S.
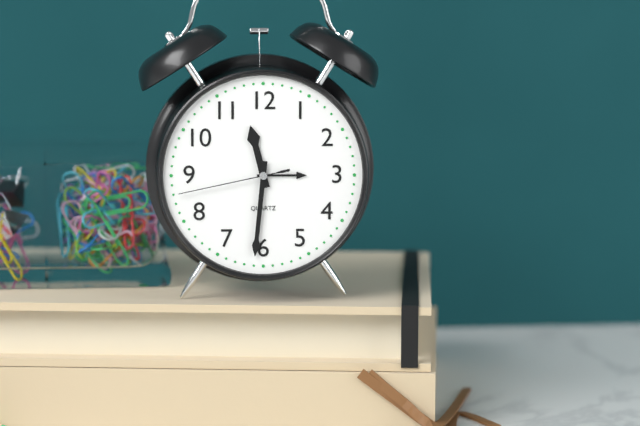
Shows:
{"hour": 11, "minute": 31, "second": 43}
